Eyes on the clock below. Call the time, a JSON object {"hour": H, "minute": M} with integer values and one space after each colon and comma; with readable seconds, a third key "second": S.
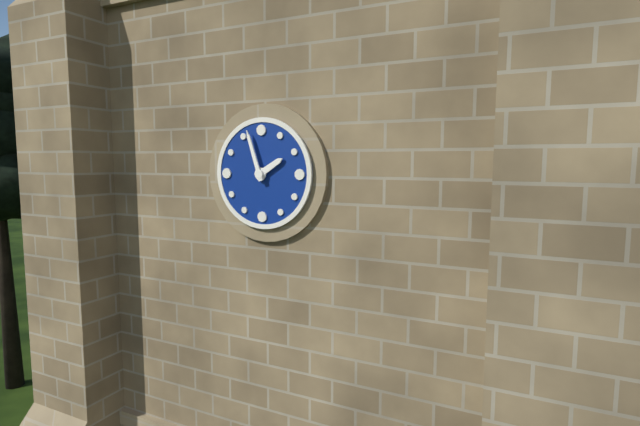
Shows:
{"hour": 1, "minute": 57}
